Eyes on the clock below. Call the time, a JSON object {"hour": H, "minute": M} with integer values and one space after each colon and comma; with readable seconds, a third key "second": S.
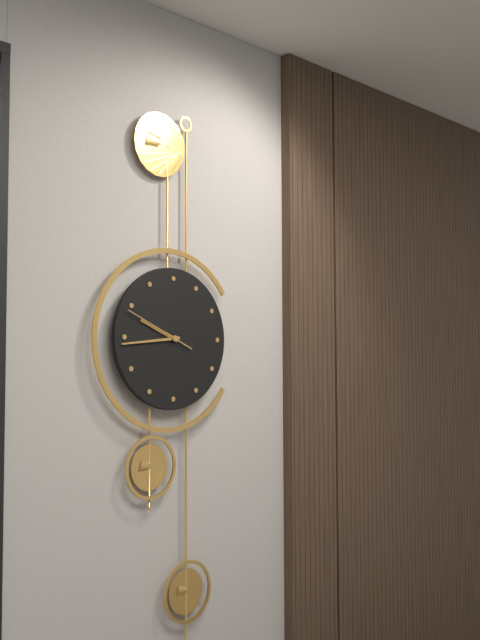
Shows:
{"hour": 9, "minute": 44, "second": 49}
